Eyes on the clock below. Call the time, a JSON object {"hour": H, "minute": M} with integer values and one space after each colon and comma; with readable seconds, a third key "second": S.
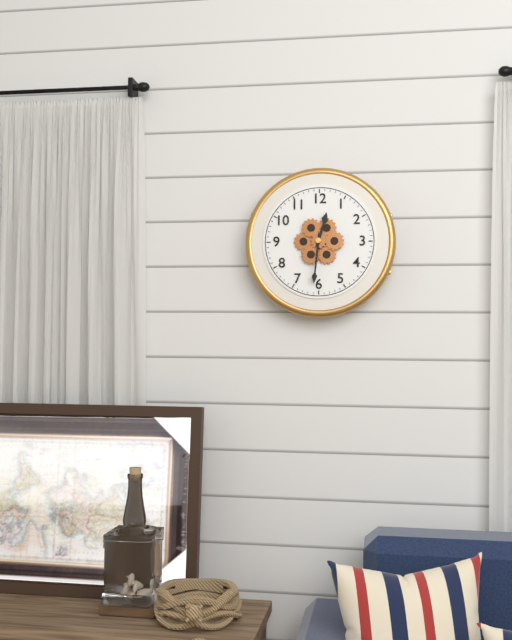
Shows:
{"hour": 12, "minute": 31}
